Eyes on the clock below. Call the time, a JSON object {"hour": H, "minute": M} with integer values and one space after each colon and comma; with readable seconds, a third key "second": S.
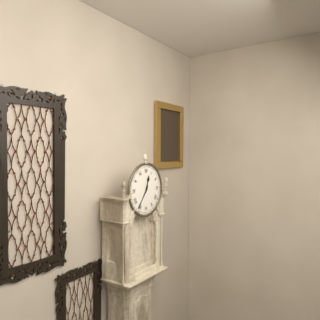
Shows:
{"hour": 12, "minute": 36}
